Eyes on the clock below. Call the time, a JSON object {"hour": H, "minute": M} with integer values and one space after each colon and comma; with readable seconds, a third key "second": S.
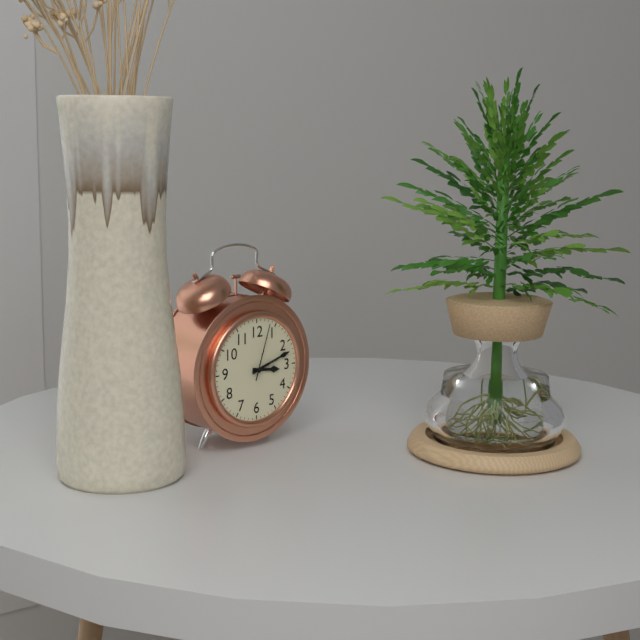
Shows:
{"hour": 3, "minute": 12, "second": 3}
